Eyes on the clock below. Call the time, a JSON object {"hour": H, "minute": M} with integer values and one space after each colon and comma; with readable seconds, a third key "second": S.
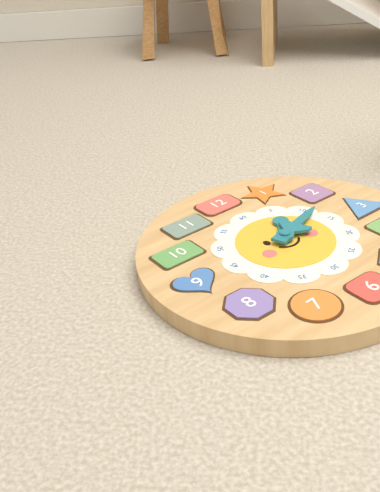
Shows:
{"hour": 1, "minute": 12}
